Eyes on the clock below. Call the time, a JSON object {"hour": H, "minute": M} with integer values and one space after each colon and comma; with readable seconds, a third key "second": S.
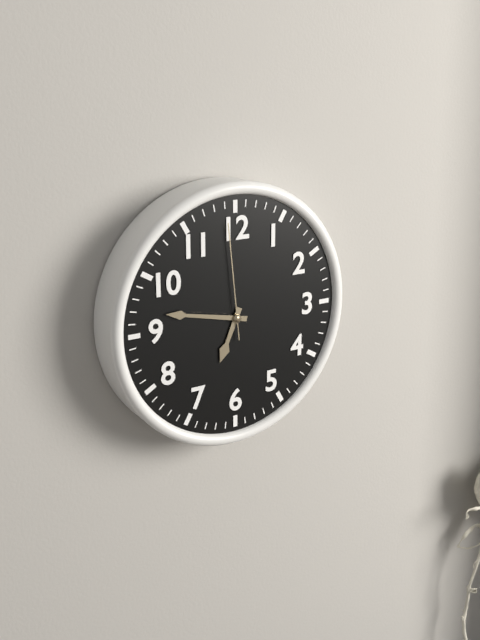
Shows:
{"hour": 6, "minute": 47, "second": 59}
